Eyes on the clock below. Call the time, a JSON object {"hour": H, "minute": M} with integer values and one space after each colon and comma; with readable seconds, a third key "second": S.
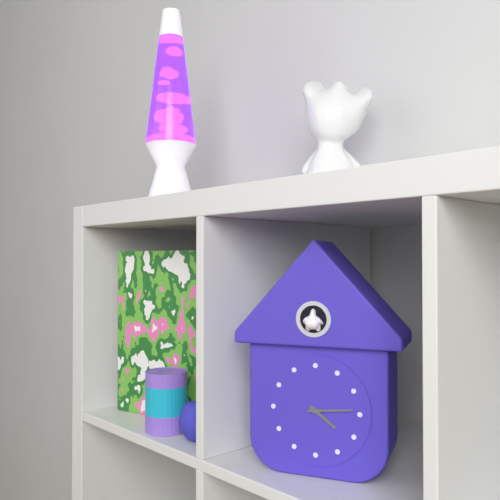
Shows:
{"hour": 4, "minute": 14}
